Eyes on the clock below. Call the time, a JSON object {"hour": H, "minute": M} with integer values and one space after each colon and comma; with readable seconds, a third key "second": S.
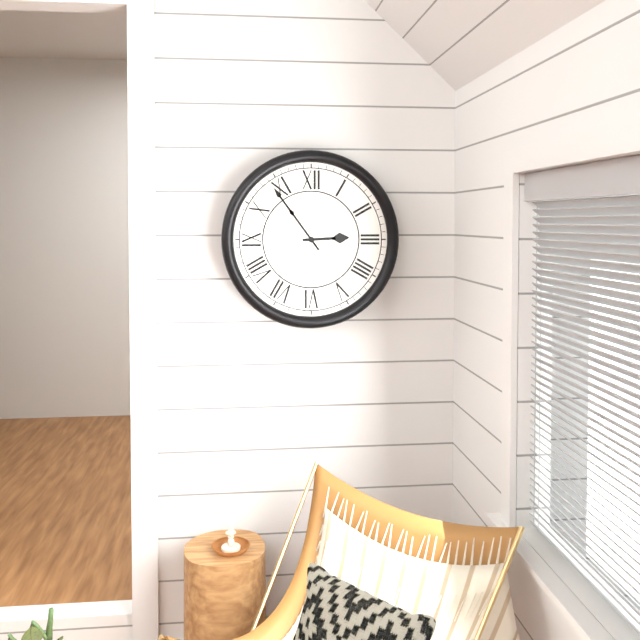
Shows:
{"hour": 2, "minute": 54}
